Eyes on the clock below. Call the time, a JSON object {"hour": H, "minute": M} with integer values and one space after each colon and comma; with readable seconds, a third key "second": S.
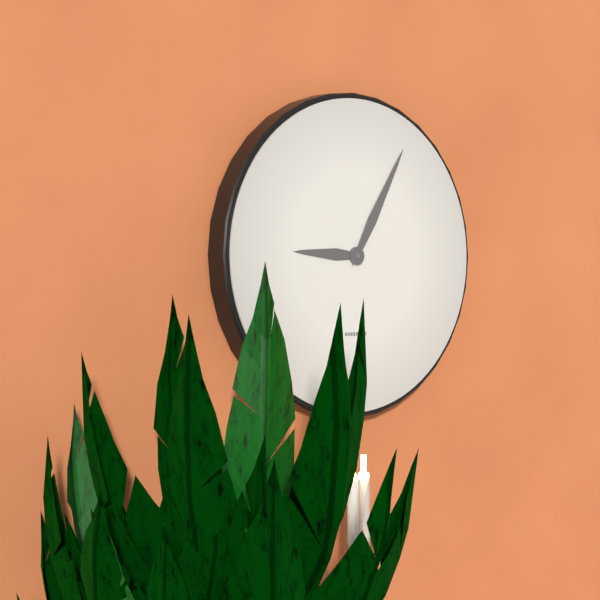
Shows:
{"hour": 9, "minute": 5}
